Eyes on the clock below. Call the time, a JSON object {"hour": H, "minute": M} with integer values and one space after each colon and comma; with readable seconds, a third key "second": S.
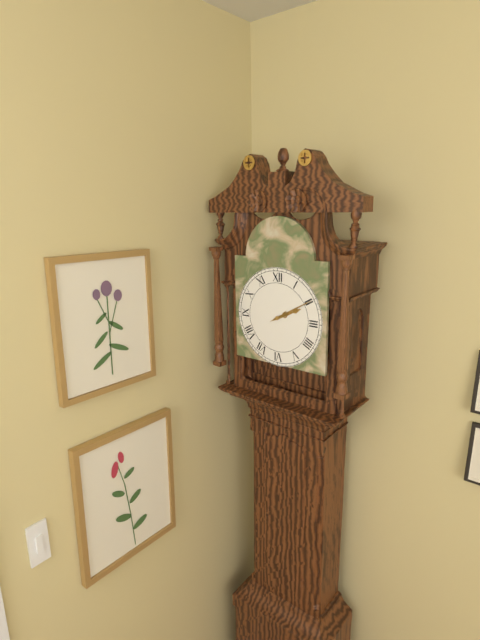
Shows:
{"hour": 2, "minute": 10}
